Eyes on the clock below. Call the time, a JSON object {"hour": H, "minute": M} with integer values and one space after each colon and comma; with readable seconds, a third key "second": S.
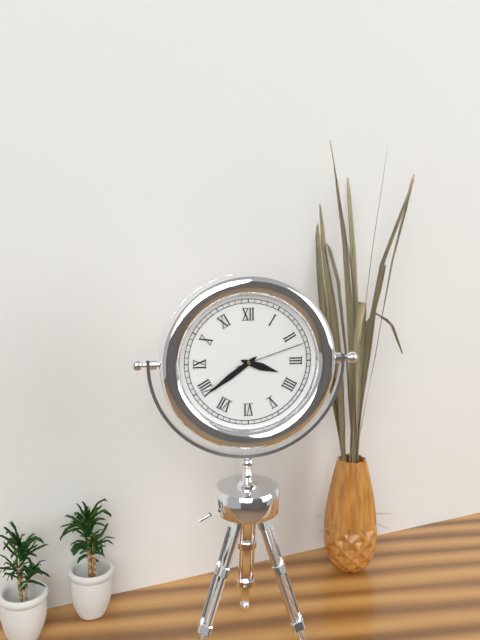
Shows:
{"hour": 3, "minute": 39, "second": 12}
